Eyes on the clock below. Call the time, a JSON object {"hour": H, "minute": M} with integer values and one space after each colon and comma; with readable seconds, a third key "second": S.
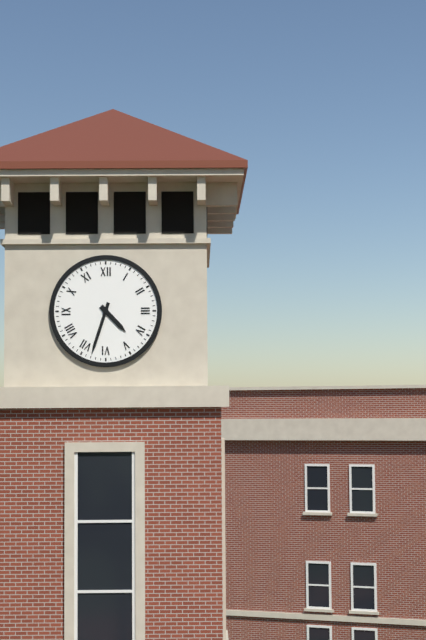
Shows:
{"hour": 4, "minute": 33}
